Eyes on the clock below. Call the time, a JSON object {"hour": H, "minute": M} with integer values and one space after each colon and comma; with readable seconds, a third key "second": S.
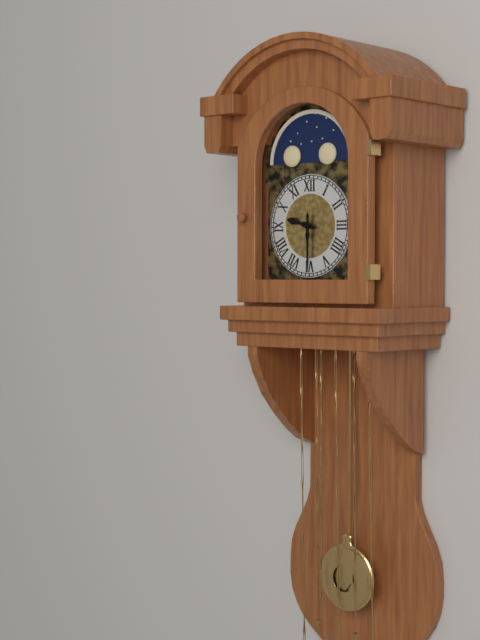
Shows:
{"hour": 9, "minute": 30}
